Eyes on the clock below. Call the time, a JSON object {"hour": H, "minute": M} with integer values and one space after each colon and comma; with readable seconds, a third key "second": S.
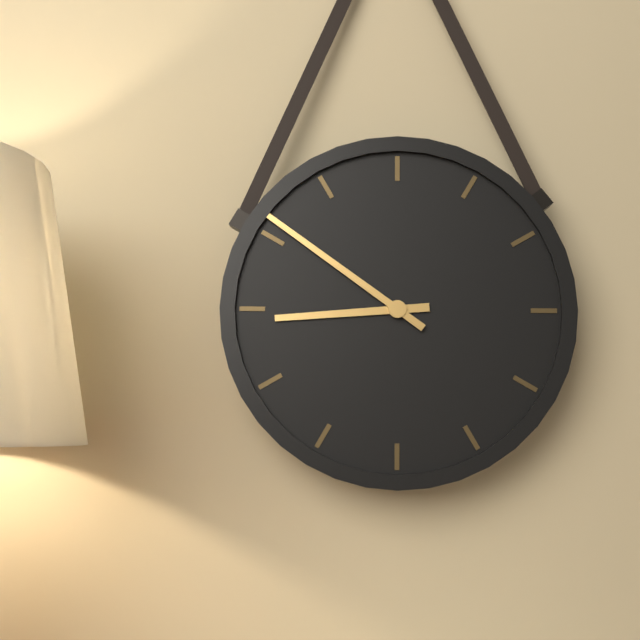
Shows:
{"hour": 8, "minute": 51}
